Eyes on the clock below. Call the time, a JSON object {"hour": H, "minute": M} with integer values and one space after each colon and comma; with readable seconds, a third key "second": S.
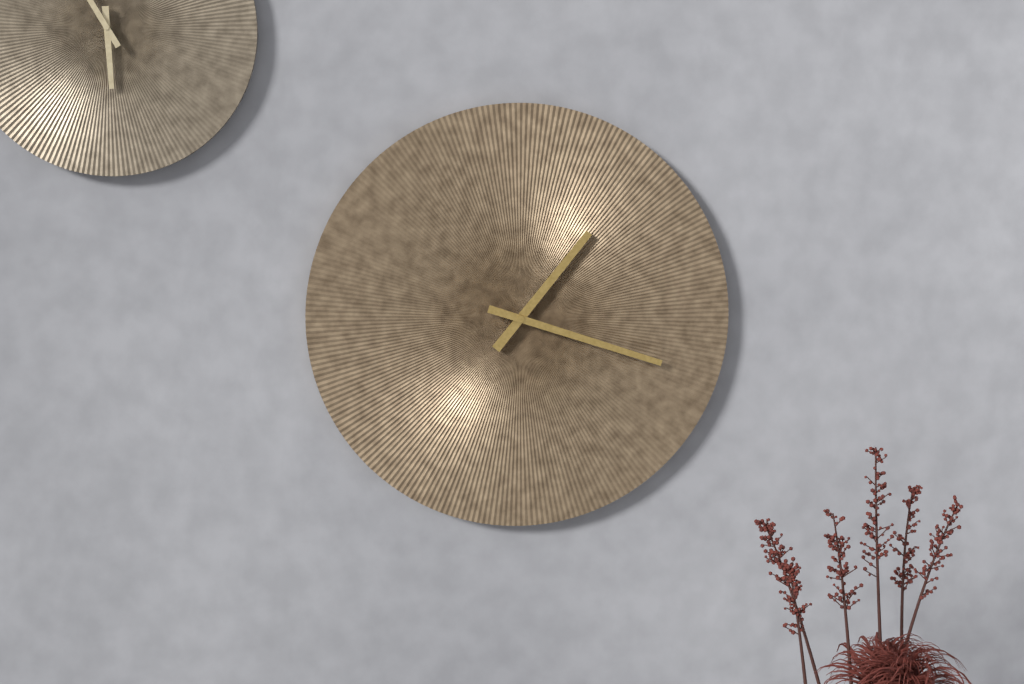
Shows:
{"hour": 1, "minute": 18}
